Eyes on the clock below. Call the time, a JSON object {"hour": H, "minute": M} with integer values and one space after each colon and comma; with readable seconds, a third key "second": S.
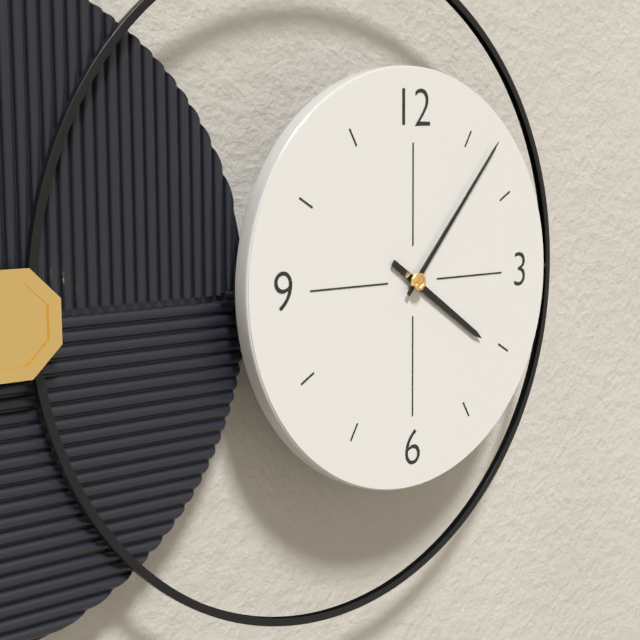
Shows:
{"hour": 4, "minute": 7}
